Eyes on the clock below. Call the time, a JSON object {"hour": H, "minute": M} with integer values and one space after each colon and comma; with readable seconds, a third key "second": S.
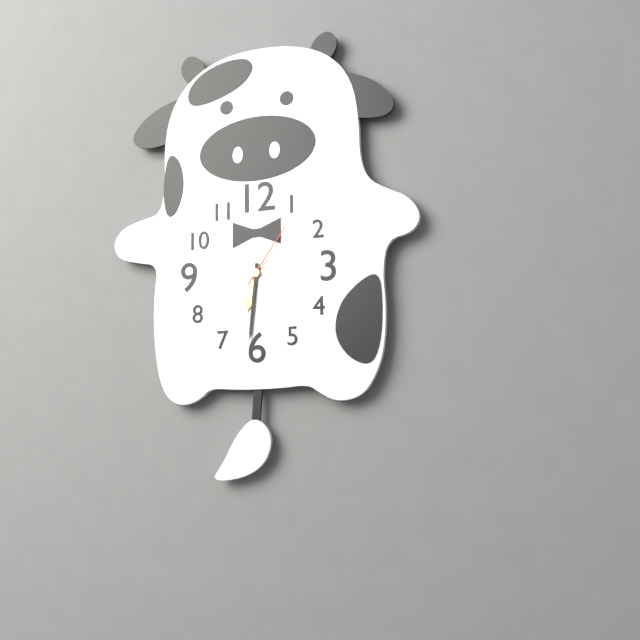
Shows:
{"hour": 6, "minute": 31, "second": 6}
